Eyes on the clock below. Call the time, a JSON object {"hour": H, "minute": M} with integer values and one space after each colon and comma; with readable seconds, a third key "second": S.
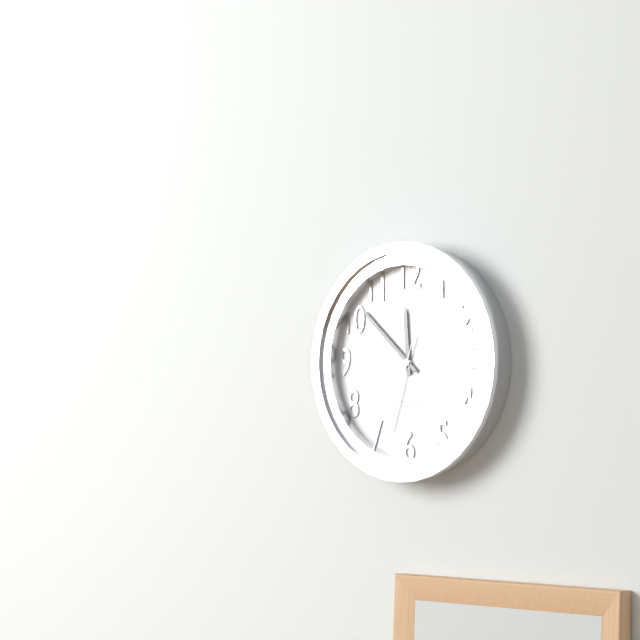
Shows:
{"hour": 11, "minute": 52, "second": 33}
